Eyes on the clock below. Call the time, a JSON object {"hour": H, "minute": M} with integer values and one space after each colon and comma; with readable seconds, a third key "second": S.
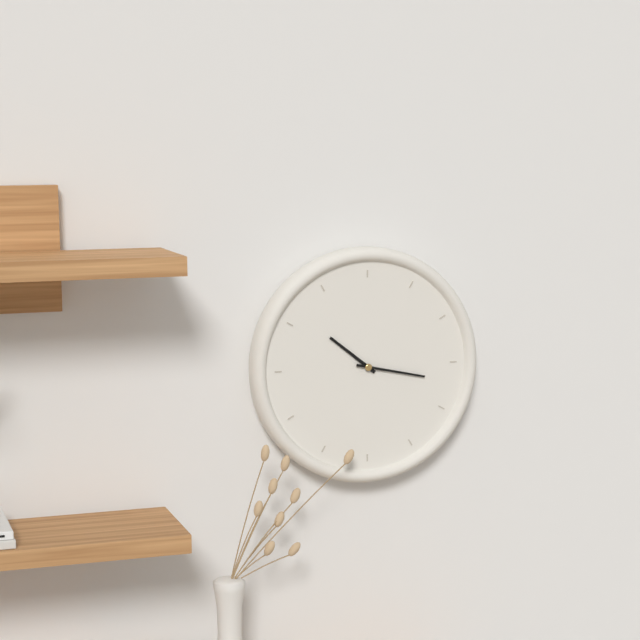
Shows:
{"hour": 10, "minute": 17}
